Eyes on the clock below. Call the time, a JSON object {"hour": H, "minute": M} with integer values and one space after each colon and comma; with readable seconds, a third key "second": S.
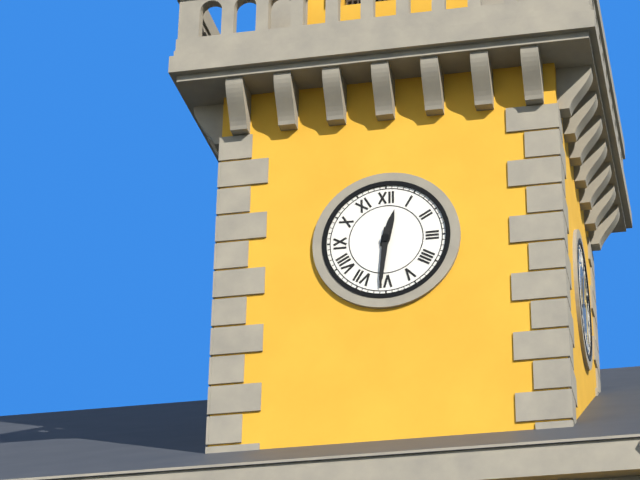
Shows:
{"hour": 12, "minute": 31}
